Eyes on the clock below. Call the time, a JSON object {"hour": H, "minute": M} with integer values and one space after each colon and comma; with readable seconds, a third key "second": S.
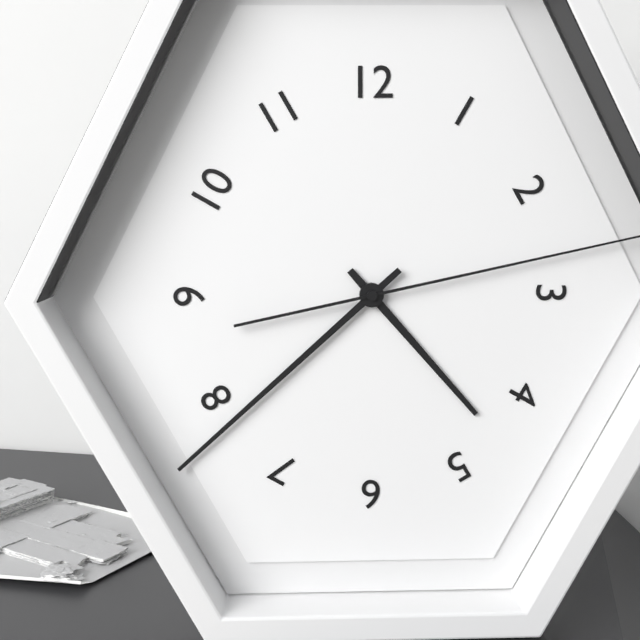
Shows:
{"hour": 4, "minute": 38}
